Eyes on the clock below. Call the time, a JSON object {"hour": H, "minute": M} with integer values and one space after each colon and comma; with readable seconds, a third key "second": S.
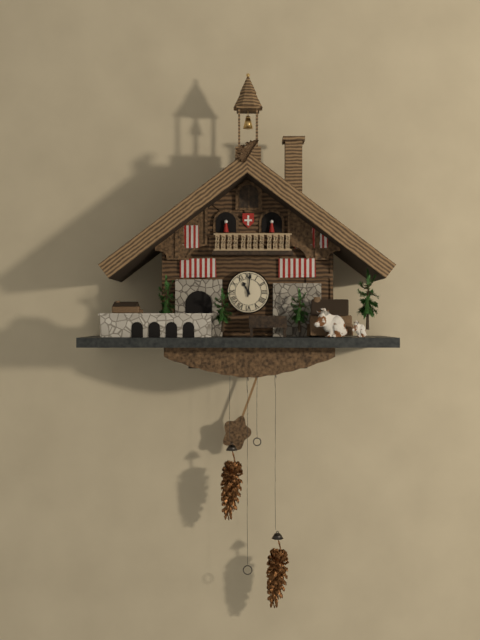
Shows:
{"hour": 11, "minute": 1}
